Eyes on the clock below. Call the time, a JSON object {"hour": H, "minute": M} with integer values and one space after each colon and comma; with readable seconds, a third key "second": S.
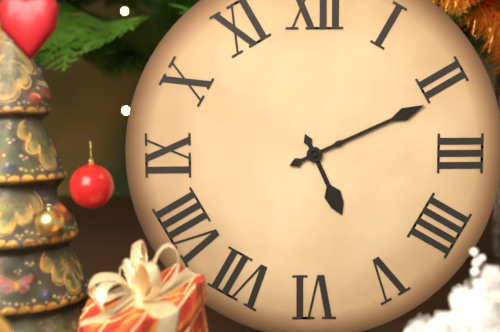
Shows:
{"hour": 5, "minute": 11}
